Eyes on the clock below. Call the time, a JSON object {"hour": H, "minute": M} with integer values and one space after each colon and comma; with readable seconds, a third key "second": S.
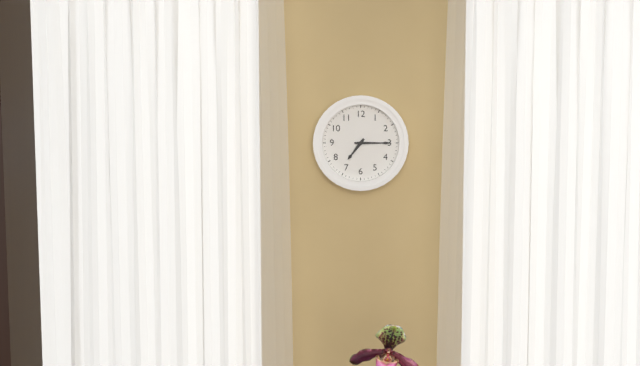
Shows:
{"hour": 7, "minute": 15}
